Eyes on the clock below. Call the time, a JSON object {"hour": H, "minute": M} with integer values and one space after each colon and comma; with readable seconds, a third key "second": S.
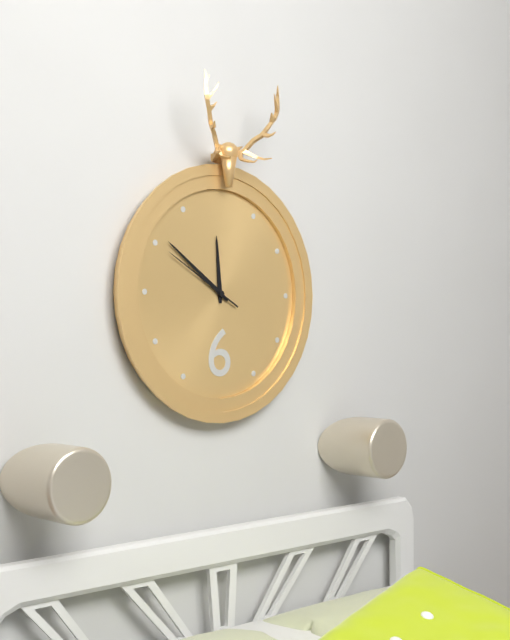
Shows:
{"hour": 11, "minute": 51, "second": 50}
